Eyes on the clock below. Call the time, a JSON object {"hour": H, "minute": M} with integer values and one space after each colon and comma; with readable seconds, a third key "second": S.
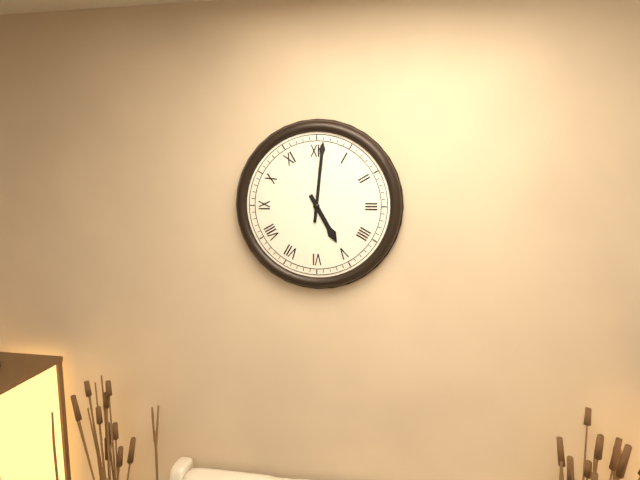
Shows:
{"hour": 5, "minute": 1}
